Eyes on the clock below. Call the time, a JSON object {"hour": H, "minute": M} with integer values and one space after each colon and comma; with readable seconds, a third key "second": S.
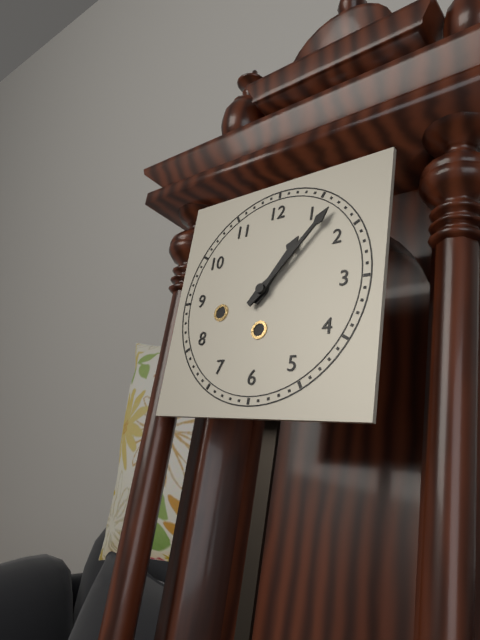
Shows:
{"hour": 1, "minute": 7}
